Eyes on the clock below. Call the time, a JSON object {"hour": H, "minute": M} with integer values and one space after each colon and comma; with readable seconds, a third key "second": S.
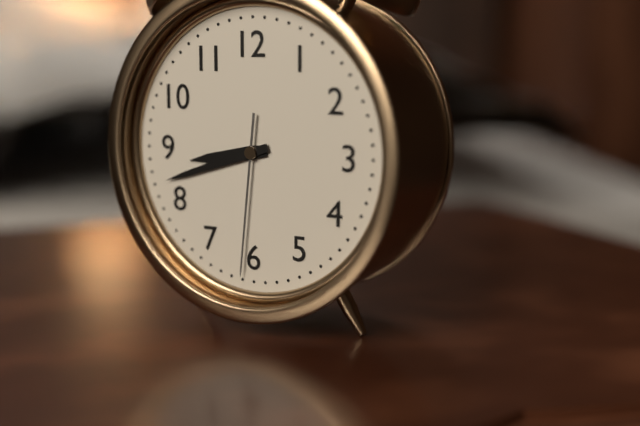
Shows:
{"hour": 8, "minute": 42, "second": 31}
